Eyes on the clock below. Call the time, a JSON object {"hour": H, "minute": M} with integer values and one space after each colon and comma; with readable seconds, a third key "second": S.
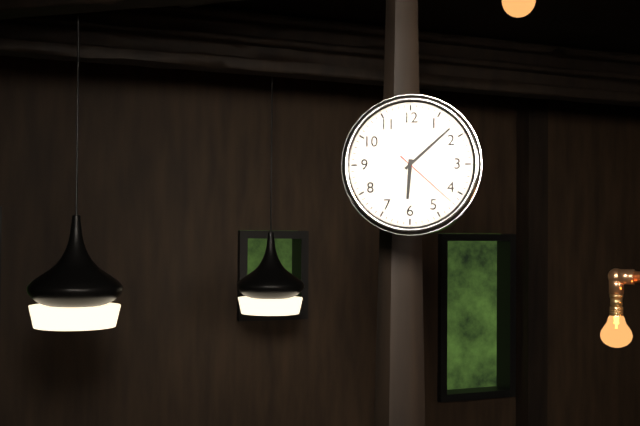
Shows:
{"hour": 6, "minute": 8, "second": 22}
